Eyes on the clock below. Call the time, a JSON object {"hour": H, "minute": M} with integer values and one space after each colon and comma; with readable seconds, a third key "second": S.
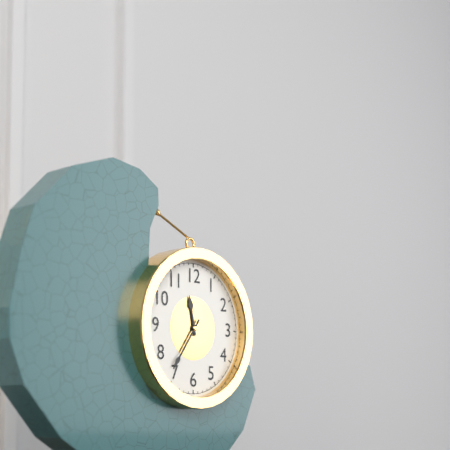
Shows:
{"hour": 11, "minute": 36}
